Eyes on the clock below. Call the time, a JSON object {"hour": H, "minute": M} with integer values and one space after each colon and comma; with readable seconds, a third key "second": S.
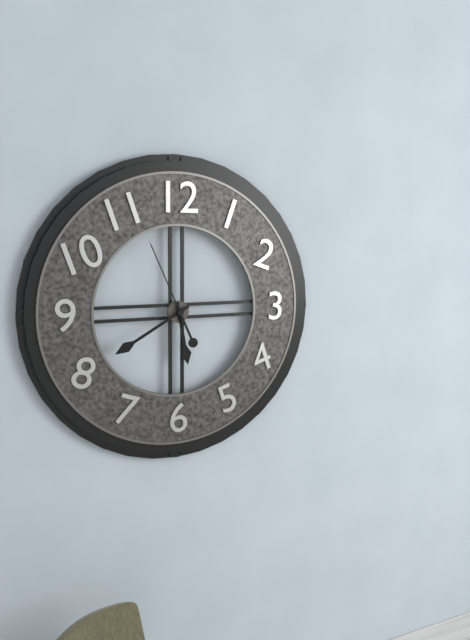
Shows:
{"hour": 5, "minute": 40, "second": 56}
